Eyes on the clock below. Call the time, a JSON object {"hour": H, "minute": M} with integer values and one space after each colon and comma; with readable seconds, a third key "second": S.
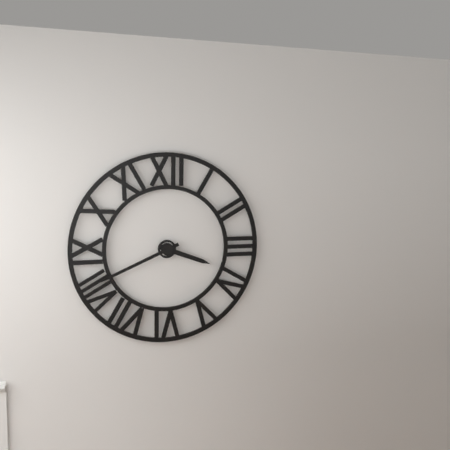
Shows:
{"hour": 3, "minute": 41}
